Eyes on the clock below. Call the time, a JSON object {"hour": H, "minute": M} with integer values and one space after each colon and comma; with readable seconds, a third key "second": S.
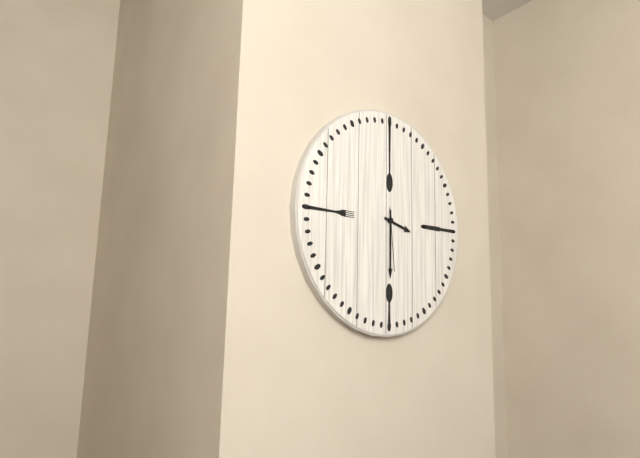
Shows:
{"hour": 3, "minute": 30, "second": 29}
